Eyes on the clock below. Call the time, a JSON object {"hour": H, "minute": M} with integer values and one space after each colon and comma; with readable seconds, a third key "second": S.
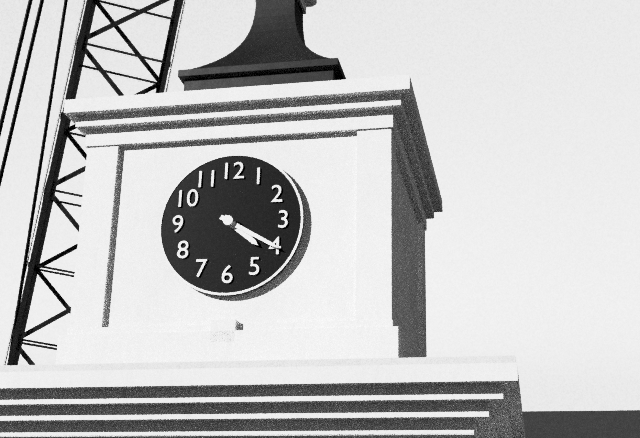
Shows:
{"hour": 4, "minute": 20}
